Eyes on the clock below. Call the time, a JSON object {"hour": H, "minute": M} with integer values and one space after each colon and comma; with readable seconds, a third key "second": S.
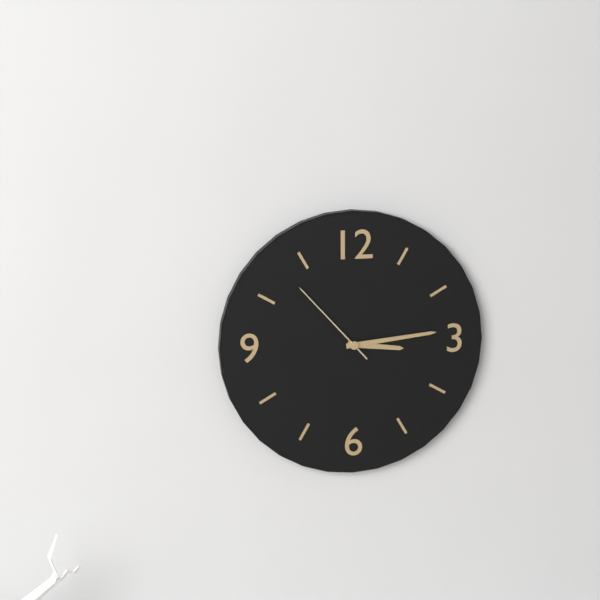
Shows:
{"hour": 3, "minute": 14, "second": 53}
